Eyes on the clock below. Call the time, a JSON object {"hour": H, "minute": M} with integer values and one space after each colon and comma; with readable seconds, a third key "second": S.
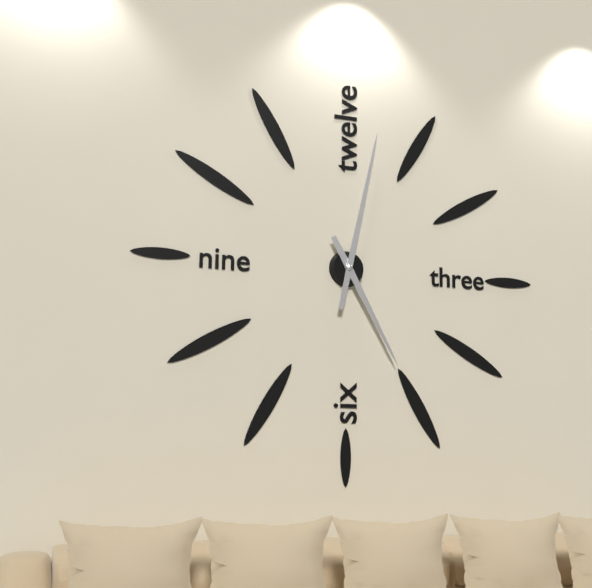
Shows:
{"hour": 5, "minute": 2}
